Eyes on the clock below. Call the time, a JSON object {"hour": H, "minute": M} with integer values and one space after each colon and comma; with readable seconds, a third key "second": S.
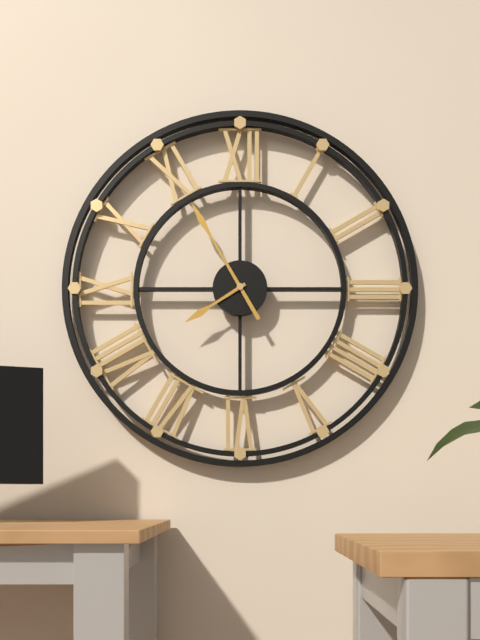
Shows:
{"hour": 7, "minute": 55}
